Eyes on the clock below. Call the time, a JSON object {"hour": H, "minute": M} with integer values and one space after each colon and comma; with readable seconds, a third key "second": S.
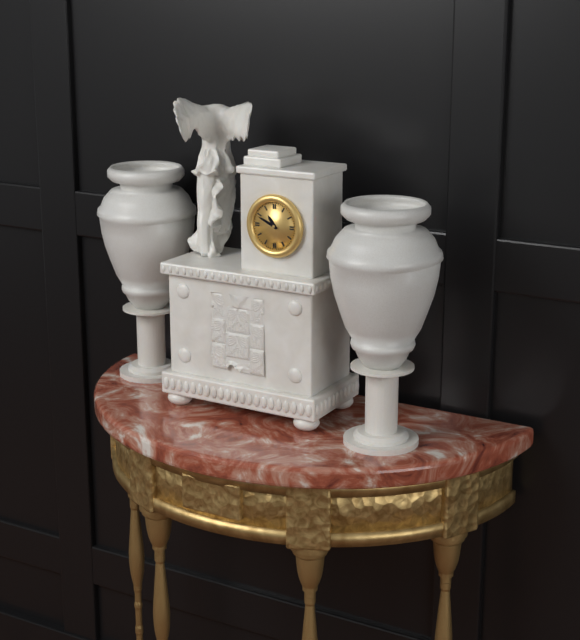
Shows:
{"hour": 10, "minute": 49}
